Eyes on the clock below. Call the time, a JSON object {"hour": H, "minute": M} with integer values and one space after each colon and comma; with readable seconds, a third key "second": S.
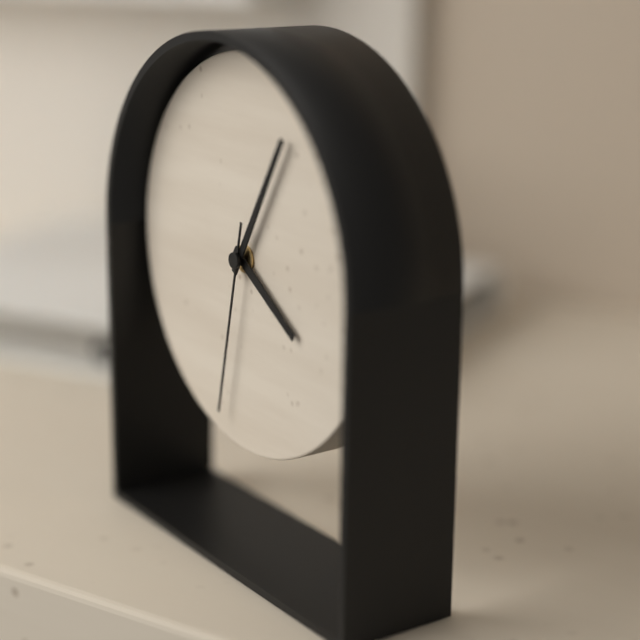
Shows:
{"hour": 4, "minute": 5, "second": 32}
